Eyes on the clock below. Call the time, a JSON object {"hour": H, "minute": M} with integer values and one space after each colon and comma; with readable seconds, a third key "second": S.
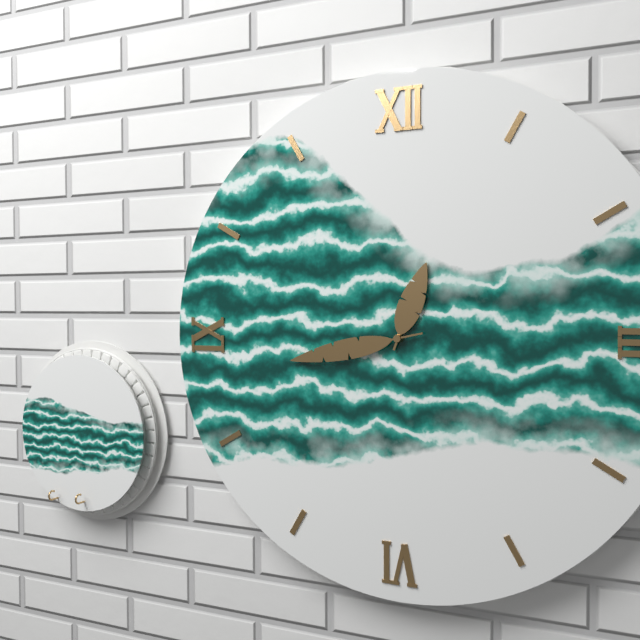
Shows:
{"hour": 12, "minute": 43}
